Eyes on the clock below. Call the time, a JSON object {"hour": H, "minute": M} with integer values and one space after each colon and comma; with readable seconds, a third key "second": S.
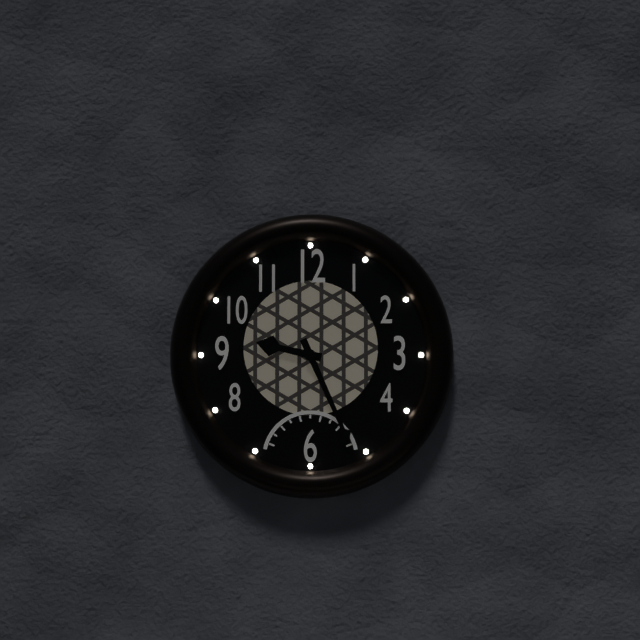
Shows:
{"hour": 9, "minute": 26}
